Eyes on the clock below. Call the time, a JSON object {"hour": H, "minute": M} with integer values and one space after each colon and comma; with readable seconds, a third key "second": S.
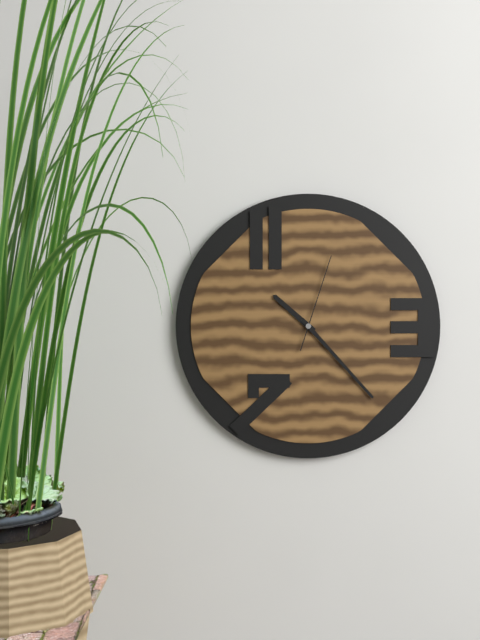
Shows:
{"hour": 10, "minute": 23, "second": 3}
